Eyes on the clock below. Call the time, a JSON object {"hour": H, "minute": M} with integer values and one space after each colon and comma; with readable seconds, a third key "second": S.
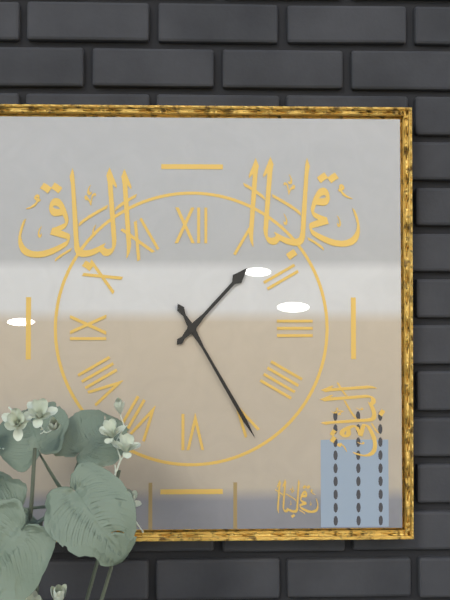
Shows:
{"hour": 1, "minute": 25}
